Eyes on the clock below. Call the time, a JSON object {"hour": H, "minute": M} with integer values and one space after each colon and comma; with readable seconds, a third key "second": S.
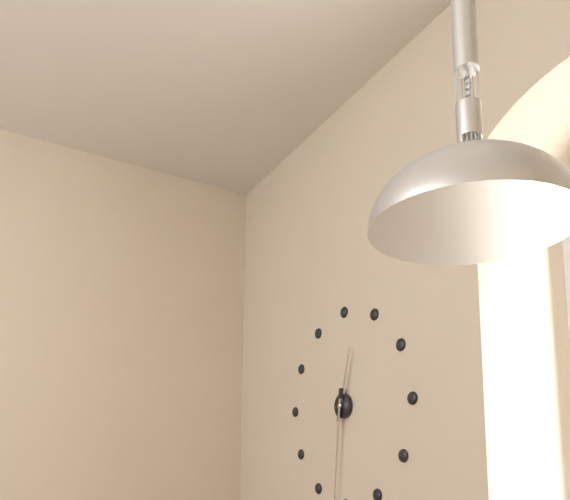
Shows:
{"hour": 12, "minute": 31}
